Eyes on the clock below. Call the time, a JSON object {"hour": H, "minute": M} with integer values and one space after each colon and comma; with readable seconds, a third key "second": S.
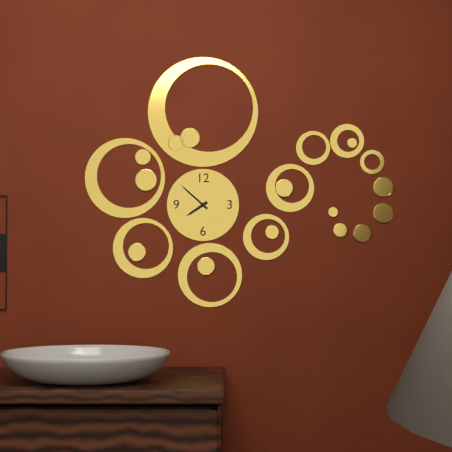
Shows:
{"hour": 7, "minute": 52}
